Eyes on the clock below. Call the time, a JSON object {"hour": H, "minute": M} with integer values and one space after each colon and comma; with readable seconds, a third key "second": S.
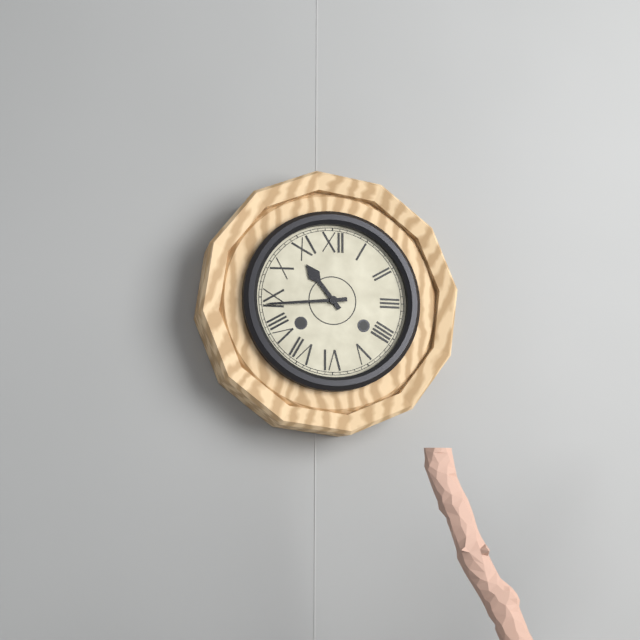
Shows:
{"hour": 10, "minute": 44}
